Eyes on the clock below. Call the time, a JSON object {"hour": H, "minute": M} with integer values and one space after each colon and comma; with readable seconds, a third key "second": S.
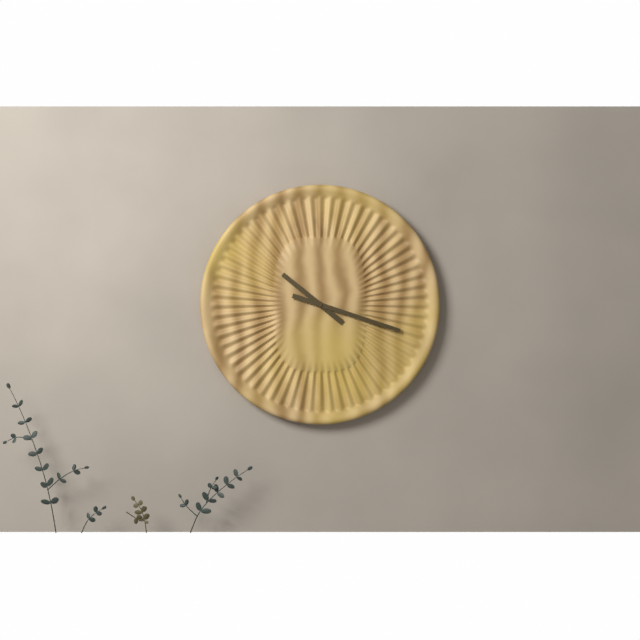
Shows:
{"hour": 10, "minute": 18}
